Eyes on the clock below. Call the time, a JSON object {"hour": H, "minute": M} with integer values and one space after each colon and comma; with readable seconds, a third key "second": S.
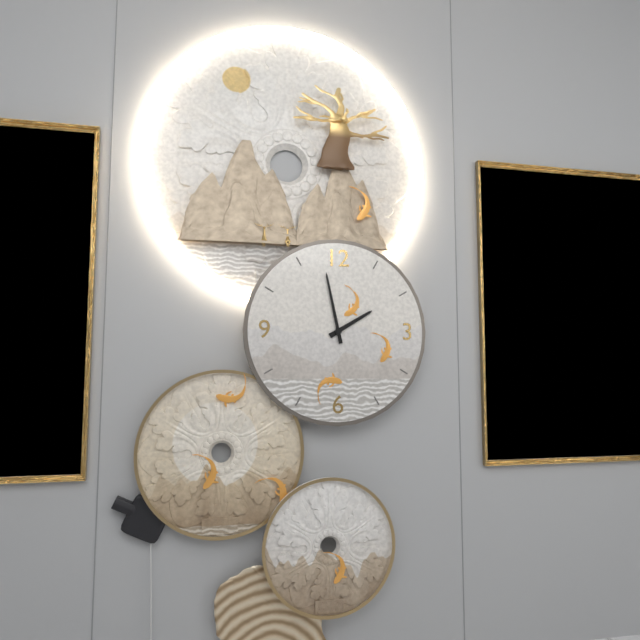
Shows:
{"hour": 1, "minute": 58}
